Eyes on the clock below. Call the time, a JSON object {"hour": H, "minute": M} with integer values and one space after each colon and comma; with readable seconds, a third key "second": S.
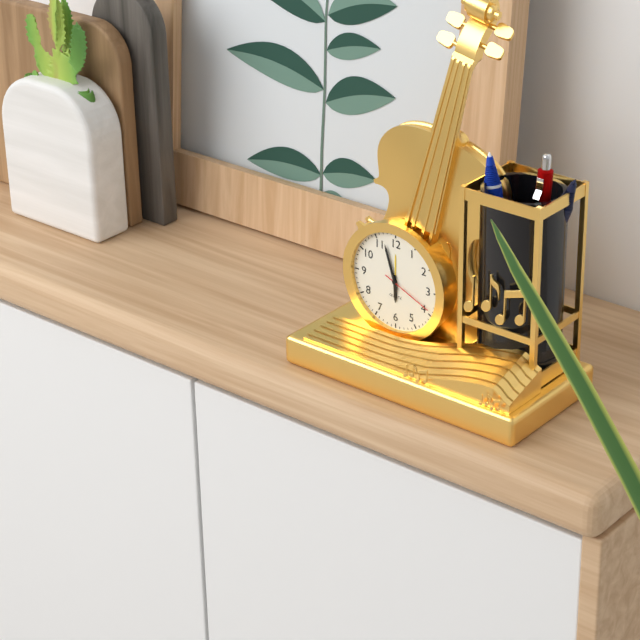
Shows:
{"hour": 5, "minute": 57, "second": 19}
